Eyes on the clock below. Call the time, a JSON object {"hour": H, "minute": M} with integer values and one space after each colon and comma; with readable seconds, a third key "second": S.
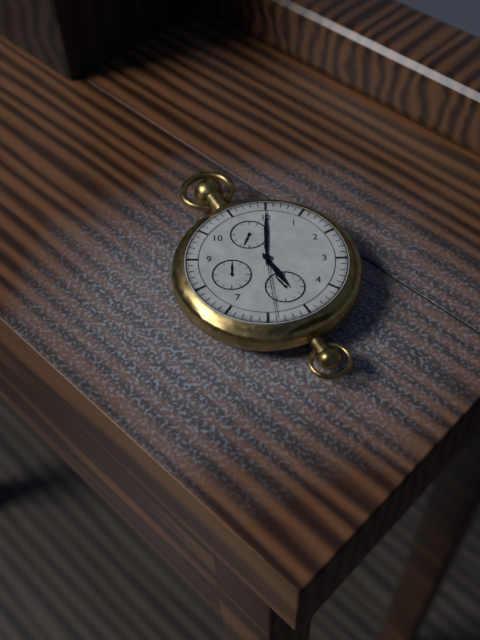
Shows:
{"hour": 5, "minute": 0, "second": 29}
